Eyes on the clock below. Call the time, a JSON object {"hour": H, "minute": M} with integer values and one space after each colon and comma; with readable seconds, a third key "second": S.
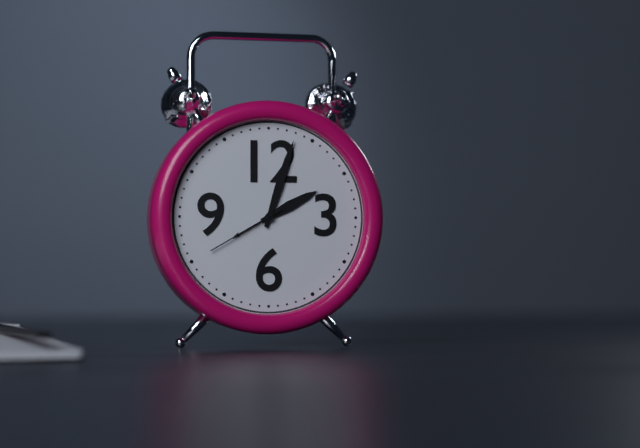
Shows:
{"hour": 2, "minute": 3, "second": 40}
